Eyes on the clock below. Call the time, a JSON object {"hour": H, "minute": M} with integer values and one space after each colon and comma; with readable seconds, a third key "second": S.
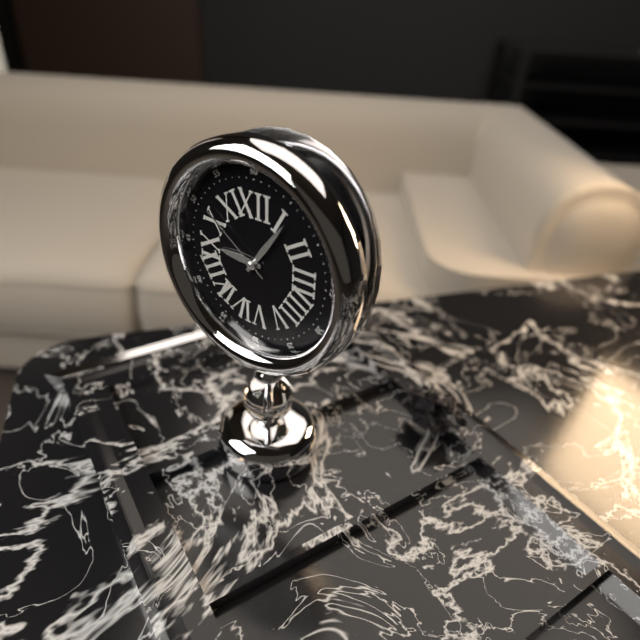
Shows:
{"hour": 9, "minute": 6, "second": 51}
